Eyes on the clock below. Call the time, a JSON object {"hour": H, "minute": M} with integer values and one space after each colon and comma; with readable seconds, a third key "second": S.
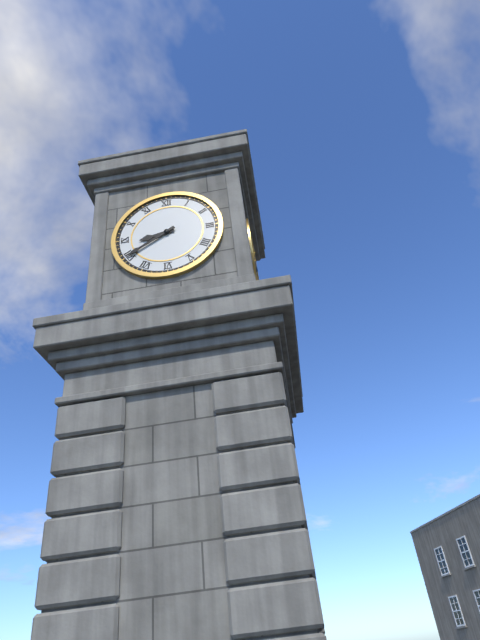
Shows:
{"hour": 8, "minute": 40}
